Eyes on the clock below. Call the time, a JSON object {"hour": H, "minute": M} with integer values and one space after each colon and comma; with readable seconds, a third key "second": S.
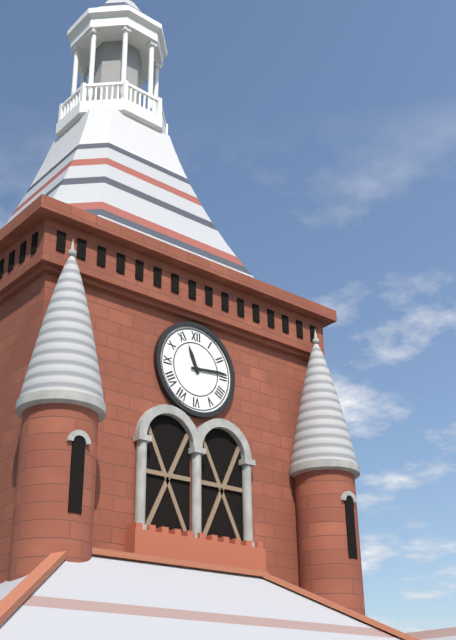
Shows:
{"hour": 11, "minute": 14}
